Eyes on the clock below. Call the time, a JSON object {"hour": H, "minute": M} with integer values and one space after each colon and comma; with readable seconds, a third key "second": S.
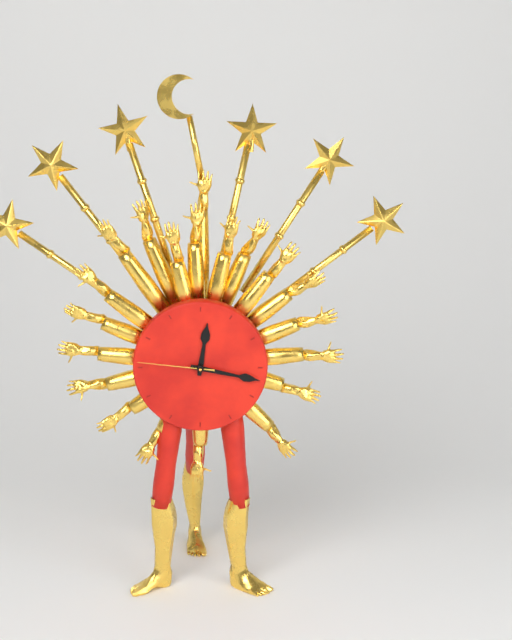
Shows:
{"hour": 12, "minute": 17, "second": 46}
